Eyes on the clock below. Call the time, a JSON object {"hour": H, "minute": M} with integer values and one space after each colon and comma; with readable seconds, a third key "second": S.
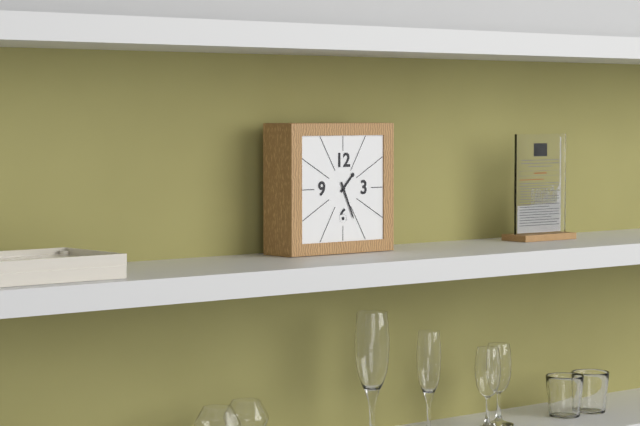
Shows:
{"hour": 1, "minute": 26}
